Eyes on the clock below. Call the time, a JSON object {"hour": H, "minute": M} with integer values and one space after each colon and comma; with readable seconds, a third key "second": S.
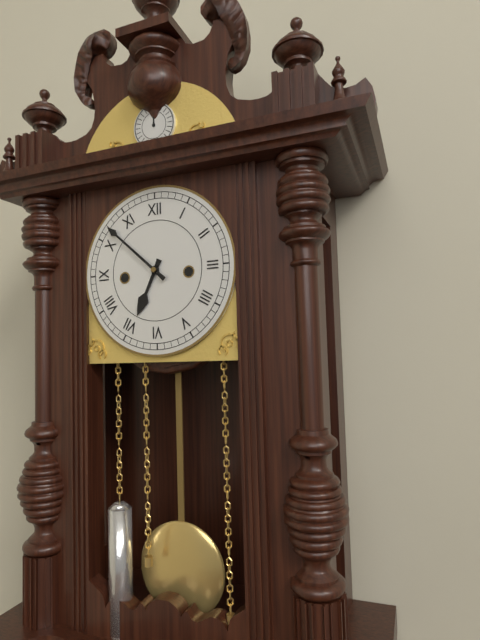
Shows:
{"hour": 6, "minute": 52}
